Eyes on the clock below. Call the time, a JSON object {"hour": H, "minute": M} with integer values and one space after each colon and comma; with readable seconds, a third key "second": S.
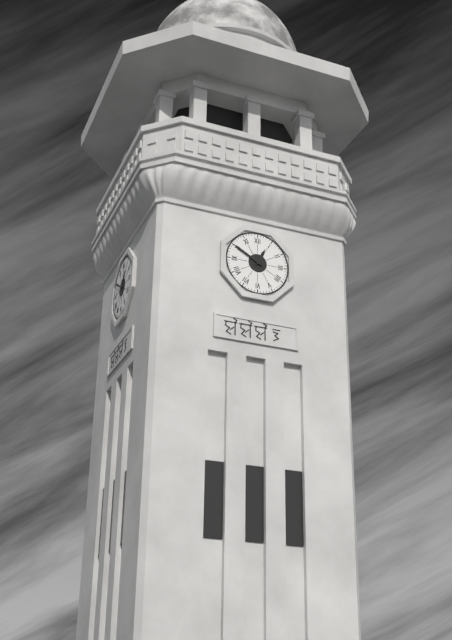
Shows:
{"hour": 12, "minute": 50}
